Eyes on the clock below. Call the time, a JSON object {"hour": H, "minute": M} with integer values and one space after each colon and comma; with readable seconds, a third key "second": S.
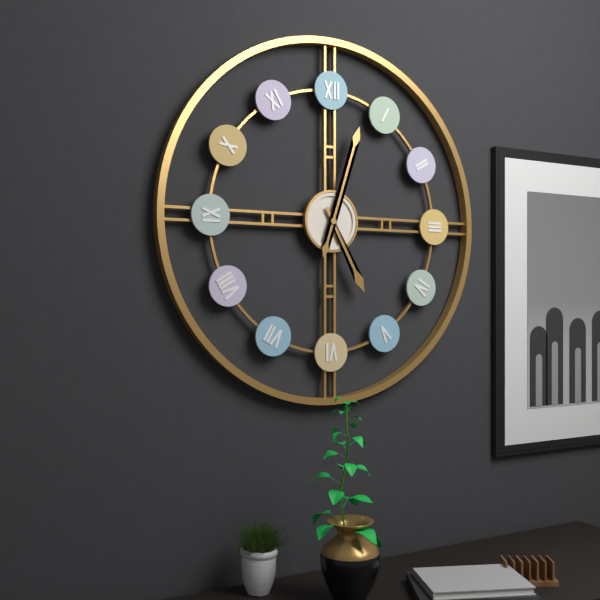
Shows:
{"hour": 5, "minute": 3}
